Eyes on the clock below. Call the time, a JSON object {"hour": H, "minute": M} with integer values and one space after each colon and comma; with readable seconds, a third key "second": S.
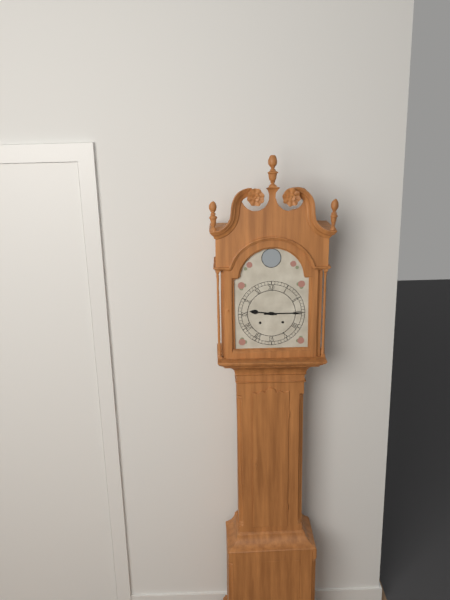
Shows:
{"hour": 9, "minute": 15}
